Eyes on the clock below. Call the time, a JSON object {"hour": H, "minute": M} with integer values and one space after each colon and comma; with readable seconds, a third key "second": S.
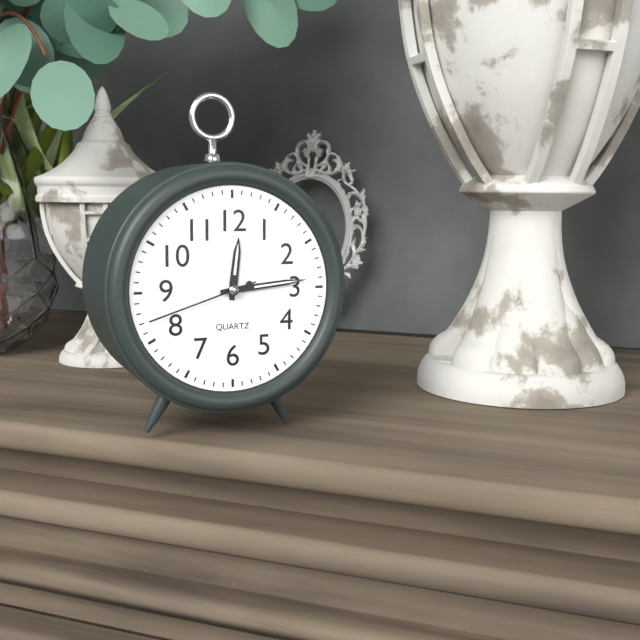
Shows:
{"hour": 12, "minute": 14, "second": 42}
